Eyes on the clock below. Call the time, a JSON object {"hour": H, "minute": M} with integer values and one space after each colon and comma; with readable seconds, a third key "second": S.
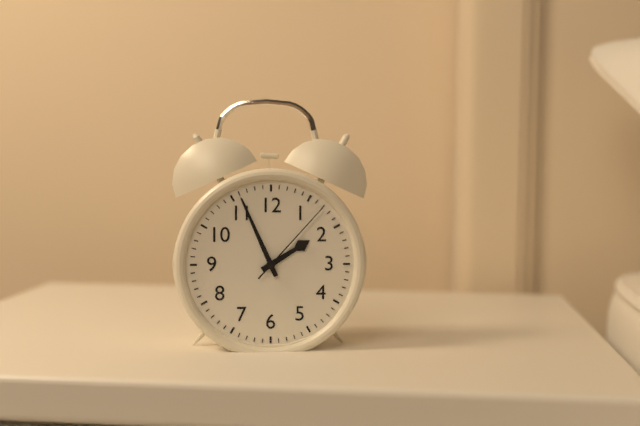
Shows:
{"hour": 1, "minute": 56, "second": 7}
